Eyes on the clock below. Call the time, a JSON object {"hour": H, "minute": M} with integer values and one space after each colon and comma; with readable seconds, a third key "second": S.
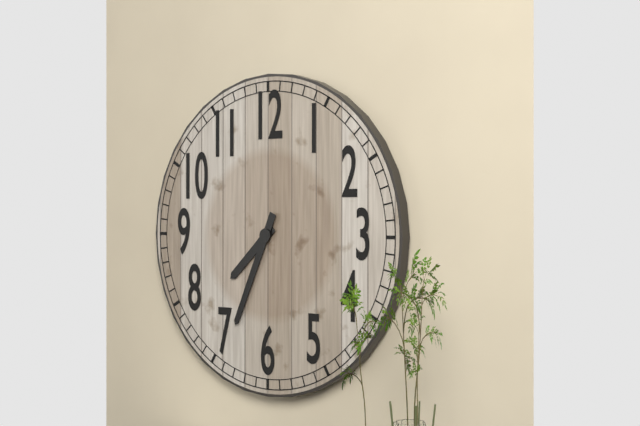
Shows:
{"hour": 7, "minute": 34}
